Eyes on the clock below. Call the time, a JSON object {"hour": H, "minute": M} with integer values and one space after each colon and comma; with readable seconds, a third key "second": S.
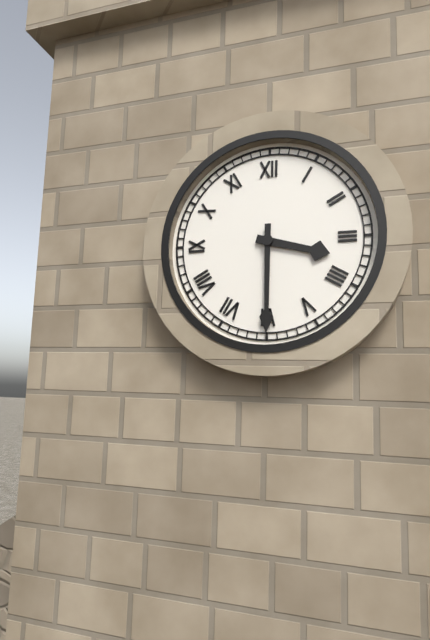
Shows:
{"hour": 3, "minute": 30}
